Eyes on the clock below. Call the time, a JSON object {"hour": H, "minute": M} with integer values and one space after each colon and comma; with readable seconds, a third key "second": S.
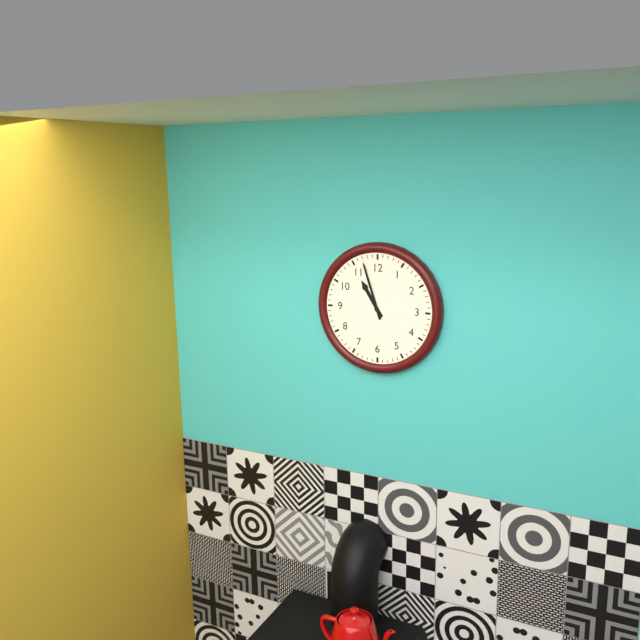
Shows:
{"hour": 10, "minute": 57}
